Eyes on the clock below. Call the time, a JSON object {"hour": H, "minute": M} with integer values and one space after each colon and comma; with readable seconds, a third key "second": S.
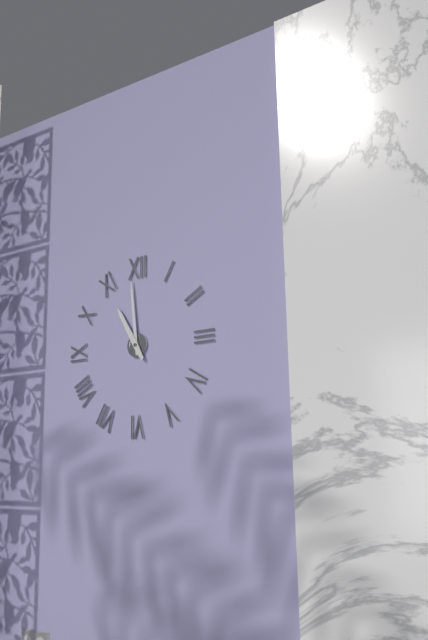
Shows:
{"hour": 10, "minute": 59}
